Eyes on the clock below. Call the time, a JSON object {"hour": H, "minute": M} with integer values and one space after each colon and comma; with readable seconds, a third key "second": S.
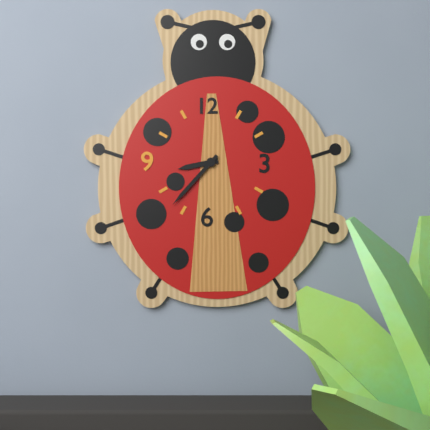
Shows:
{"hour": 8, "minute": 37}
